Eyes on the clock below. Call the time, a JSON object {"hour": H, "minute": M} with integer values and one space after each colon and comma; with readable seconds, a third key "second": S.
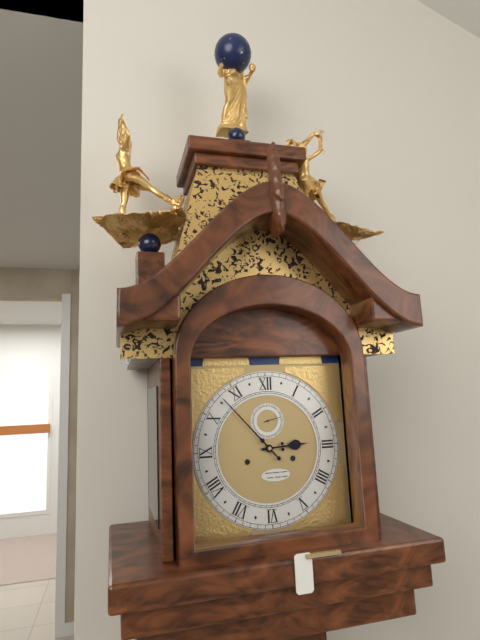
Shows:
{"hour": 2, "minute": 53}
